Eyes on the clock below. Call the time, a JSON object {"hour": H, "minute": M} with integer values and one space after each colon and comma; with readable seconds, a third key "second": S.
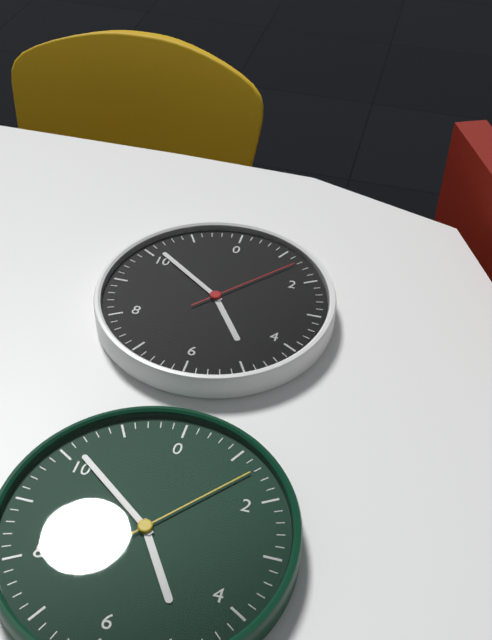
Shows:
{"hour": 4, "minute": 51, "second": 7}
